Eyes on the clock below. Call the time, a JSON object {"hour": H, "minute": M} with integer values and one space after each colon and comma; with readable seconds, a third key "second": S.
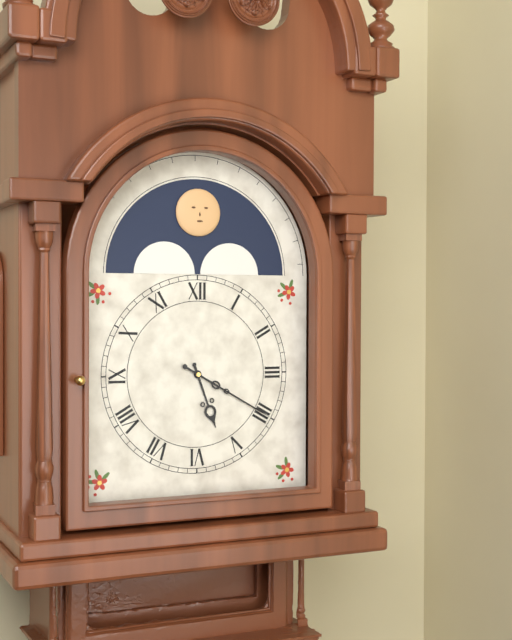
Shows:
{"hour": 5, "minute": 20}
